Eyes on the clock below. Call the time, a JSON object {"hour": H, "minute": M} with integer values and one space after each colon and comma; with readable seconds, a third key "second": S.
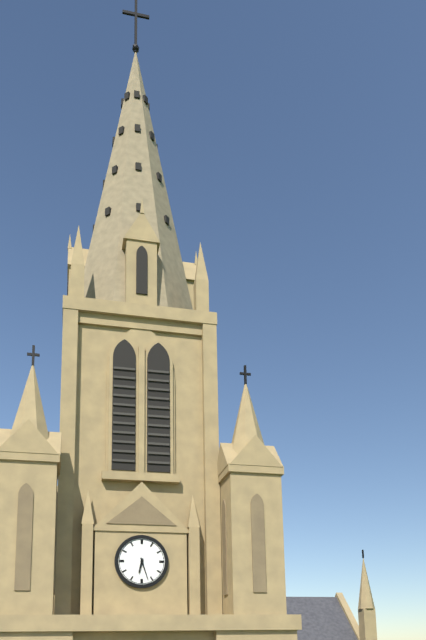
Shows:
{"hour": 6, "minute": 27}
